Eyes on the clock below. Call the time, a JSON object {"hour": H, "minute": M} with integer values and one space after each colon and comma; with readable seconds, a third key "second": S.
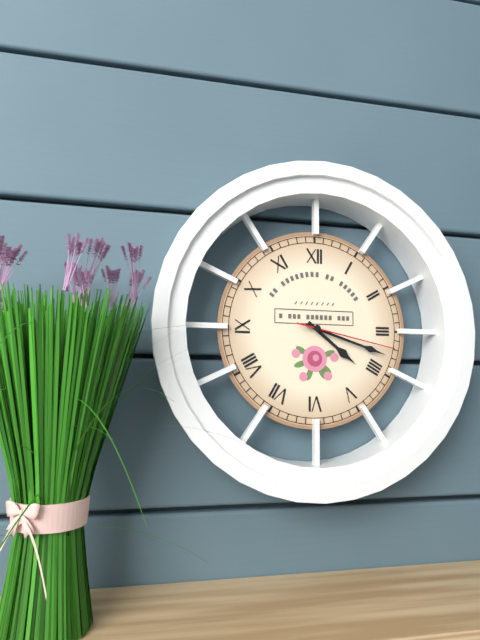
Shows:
{"hour": 4, "minute": 18, "second": 17}
